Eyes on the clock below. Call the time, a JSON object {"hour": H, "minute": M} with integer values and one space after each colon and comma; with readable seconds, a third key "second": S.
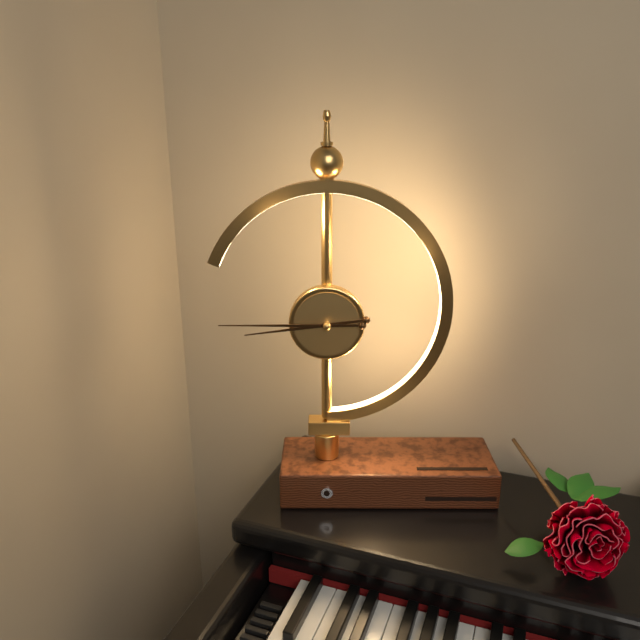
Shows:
{"hour": 8, "minute": 45}
